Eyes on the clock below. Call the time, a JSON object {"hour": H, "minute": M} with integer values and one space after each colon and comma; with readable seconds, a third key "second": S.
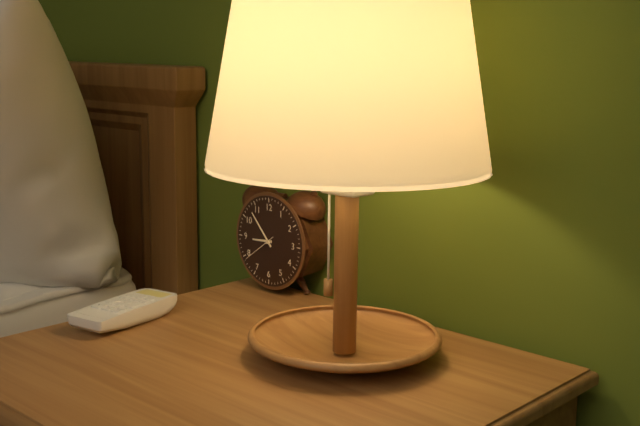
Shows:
{"hour": 8, "minute": 53}
